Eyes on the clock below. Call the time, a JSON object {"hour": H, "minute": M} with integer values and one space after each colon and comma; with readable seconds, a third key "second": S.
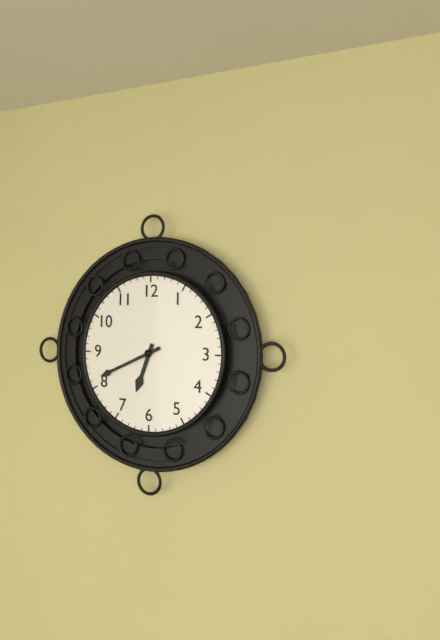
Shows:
{"hour": 6, "minute": 41}
